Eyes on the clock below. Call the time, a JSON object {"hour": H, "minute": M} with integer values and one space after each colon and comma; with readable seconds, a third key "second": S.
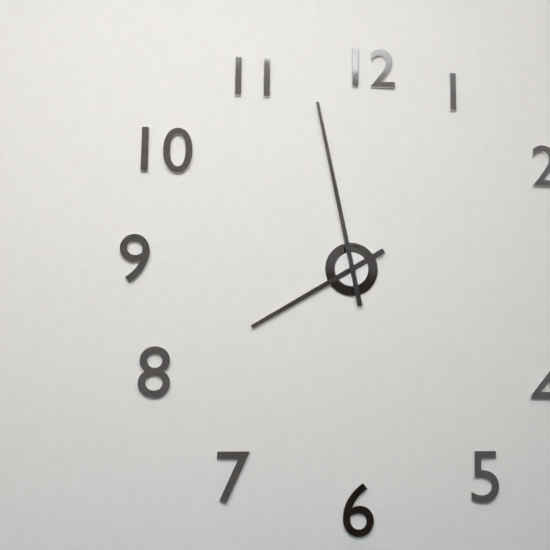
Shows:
{"hour": 7, "minute": 58}
